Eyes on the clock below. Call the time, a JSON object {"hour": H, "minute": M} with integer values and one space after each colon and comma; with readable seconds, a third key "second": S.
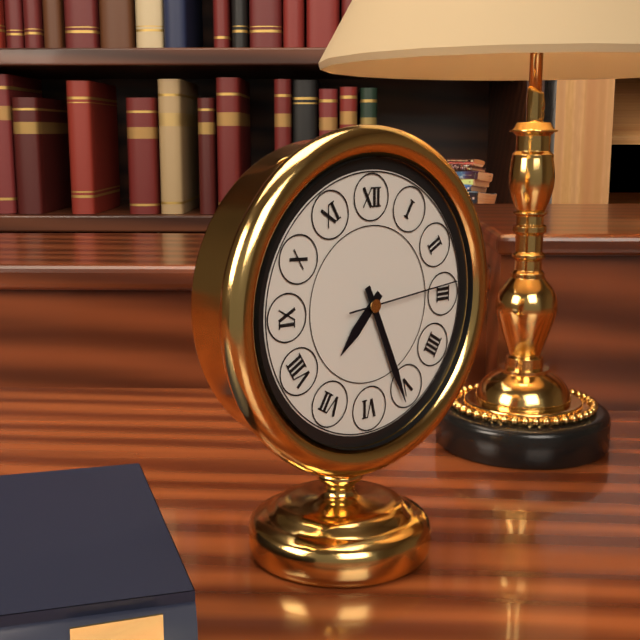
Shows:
{"hour": 7, "minute": 26, "second": 14}
